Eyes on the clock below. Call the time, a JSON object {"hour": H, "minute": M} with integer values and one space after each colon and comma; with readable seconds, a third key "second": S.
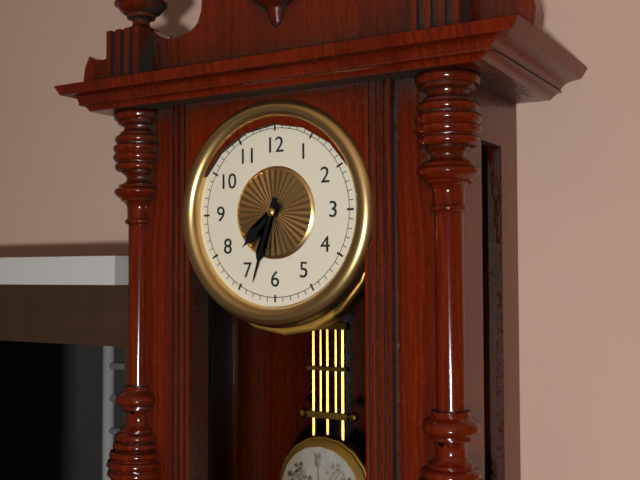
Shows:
{"hour": 7, "minute": 33}
